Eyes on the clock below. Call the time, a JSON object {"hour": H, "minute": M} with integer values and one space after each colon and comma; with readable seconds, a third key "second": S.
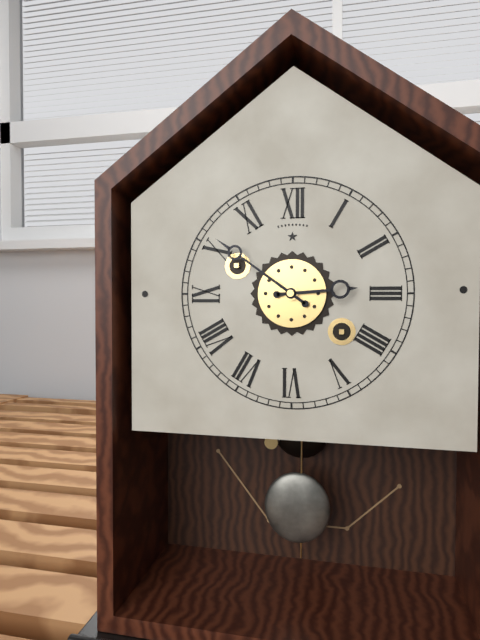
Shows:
{"hour": 2, "minute": 51}
